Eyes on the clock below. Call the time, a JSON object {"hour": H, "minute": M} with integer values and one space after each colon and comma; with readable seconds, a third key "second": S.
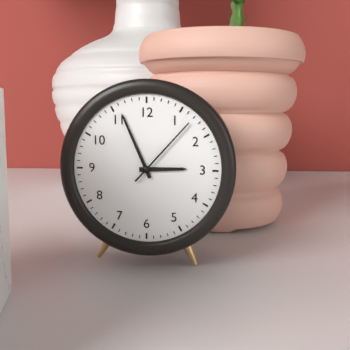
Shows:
{"hour": 2, "minute": 56, "second": 7}
